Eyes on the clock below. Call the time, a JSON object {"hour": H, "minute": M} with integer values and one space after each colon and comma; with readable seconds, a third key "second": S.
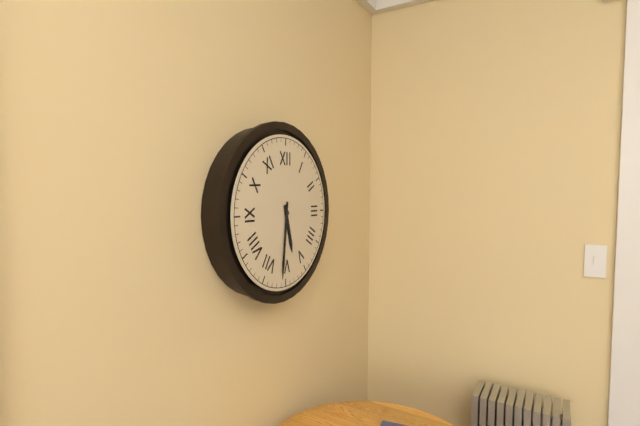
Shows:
{"hour": 5, "minute": 31}
